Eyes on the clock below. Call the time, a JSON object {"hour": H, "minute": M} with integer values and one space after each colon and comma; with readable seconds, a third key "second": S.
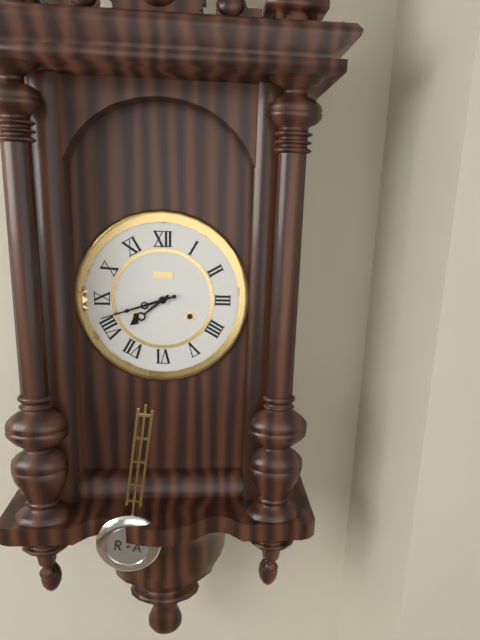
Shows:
{"hour": 7, "minute": 42}
